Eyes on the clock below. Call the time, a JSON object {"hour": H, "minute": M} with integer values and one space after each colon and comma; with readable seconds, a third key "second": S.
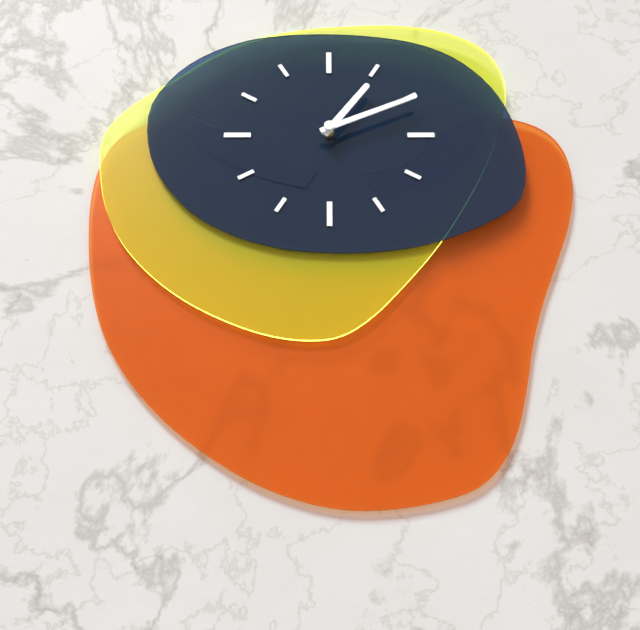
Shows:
{"hour": 1, "minute": 11}
